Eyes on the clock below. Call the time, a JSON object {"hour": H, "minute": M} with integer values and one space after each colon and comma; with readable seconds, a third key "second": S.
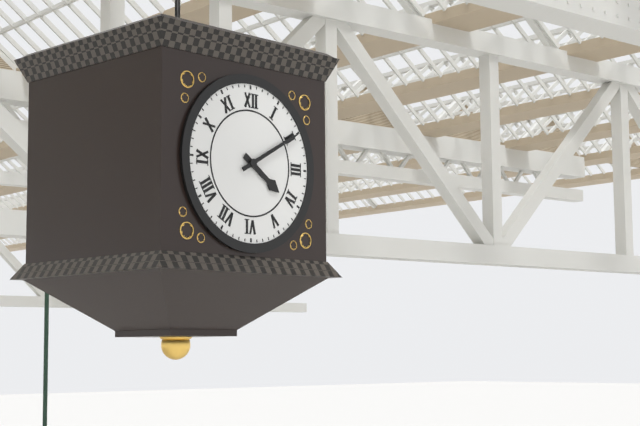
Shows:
{"hour": 4, "minute": 10}
